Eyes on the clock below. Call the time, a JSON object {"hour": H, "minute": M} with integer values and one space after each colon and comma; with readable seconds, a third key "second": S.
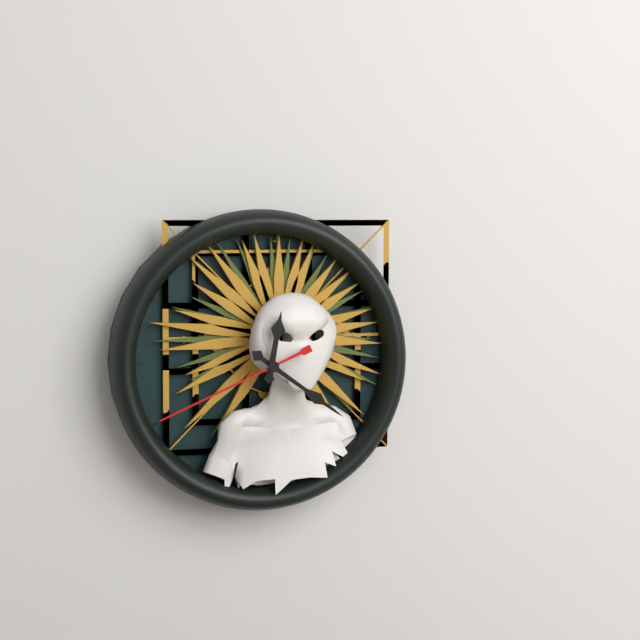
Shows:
{"hour": 12, "minute": 21, "second": 41}
